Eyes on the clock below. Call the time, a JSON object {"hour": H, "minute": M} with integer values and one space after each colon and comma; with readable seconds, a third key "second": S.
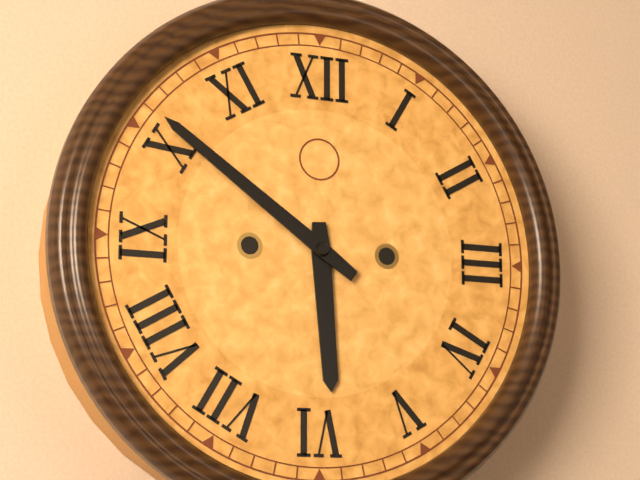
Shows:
{"hour": 5, "minute": 51}
